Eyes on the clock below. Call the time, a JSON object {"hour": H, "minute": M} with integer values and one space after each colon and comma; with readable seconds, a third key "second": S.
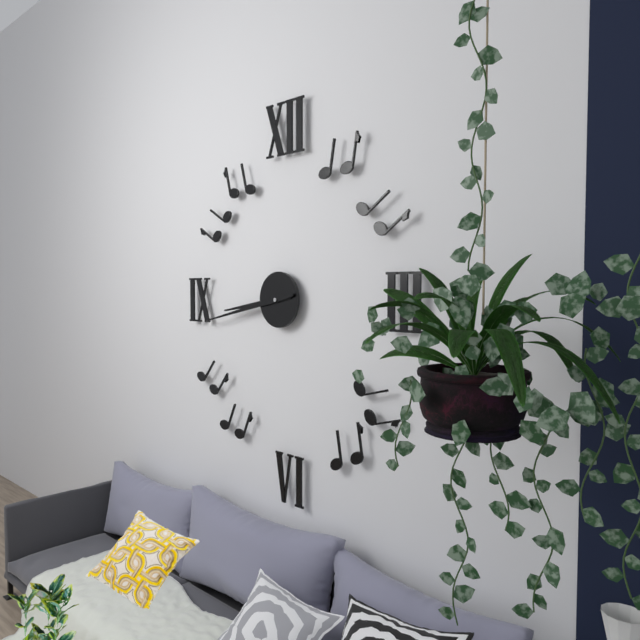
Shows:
{"hour": 8, "minute": 43}
